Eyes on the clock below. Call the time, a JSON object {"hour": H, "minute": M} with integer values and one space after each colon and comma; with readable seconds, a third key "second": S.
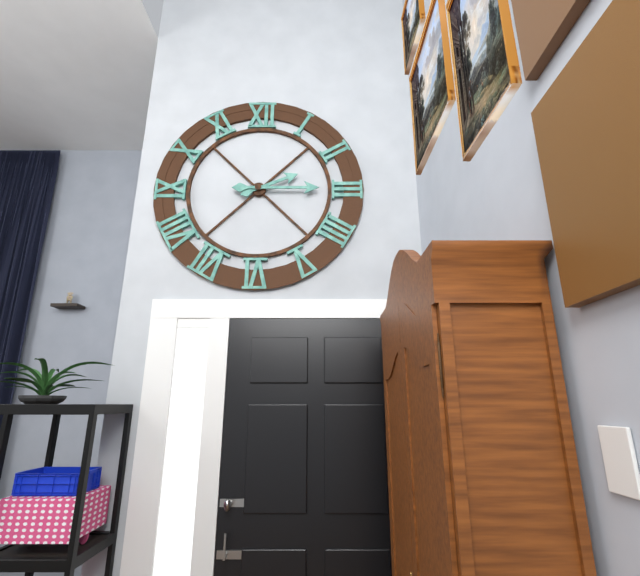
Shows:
{"hour": 2, "minute": 15}
